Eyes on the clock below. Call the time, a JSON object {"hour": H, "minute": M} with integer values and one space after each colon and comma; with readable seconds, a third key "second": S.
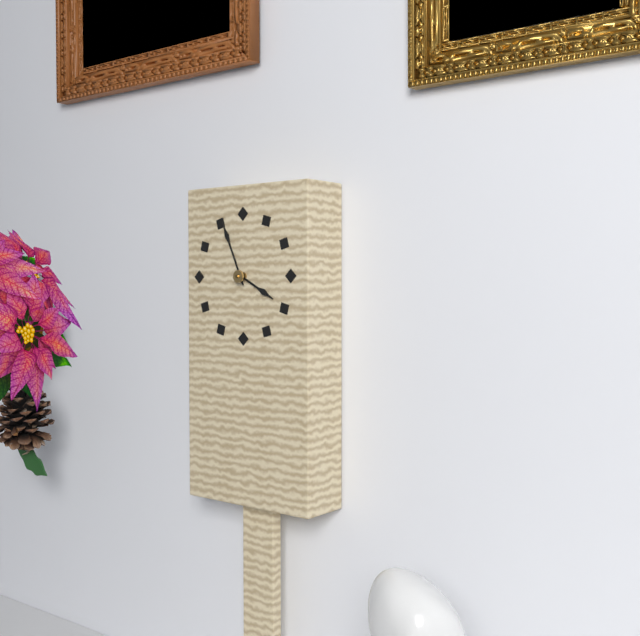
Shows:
{"hour": 3, "minute": 56}
